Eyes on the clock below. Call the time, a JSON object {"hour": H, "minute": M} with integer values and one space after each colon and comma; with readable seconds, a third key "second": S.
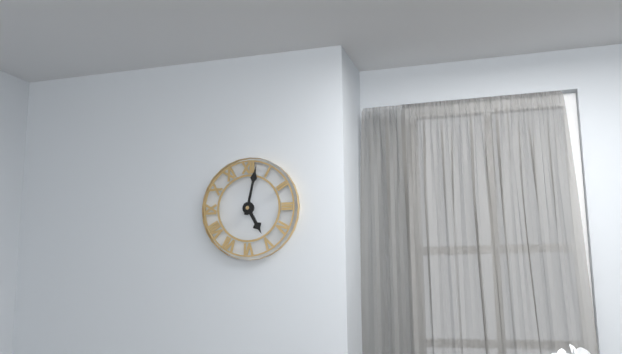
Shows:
{"hour": 5, "minute": 2}
